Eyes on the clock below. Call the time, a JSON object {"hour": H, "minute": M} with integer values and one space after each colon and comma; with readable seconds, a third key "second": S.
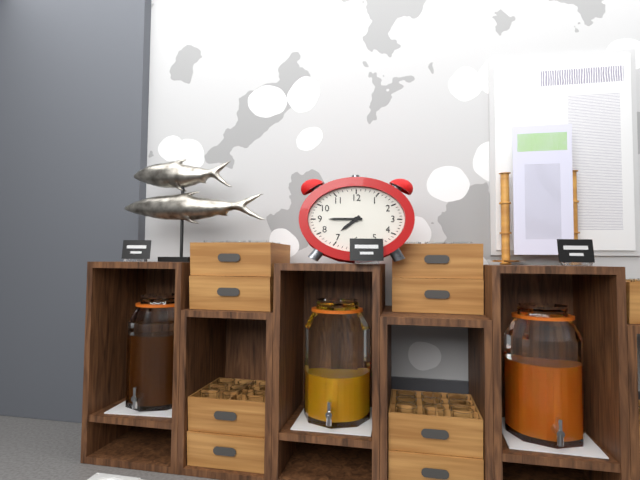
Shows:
{"hour": 7, "minute": 45}
